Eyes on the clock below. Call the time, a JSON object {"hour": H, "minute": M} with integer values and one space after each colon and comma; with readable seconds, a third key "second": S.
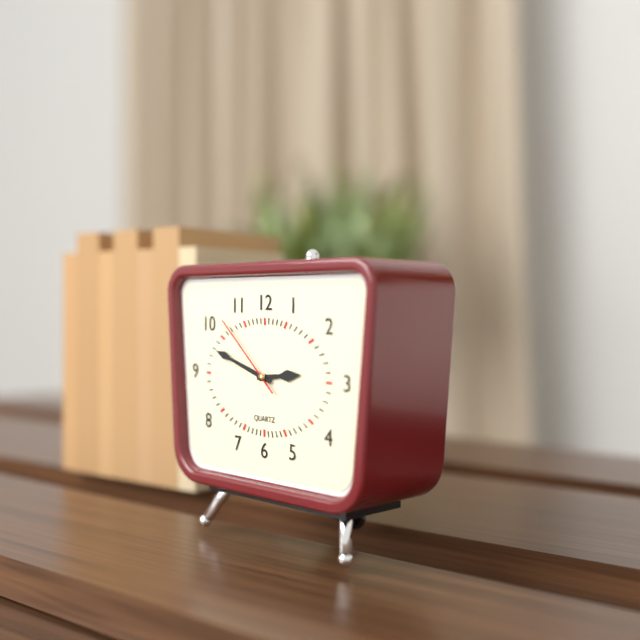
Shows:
{"hour": 2, "minute": 48, "second": 52}
